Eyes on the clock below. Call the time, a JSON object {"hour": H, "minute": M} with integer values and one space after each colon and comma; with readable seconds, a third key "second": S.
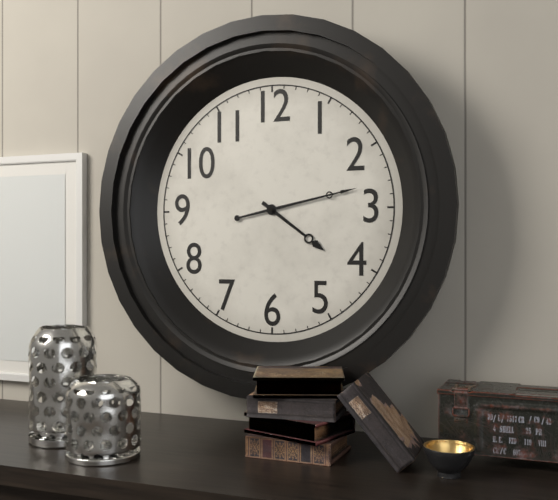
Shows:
{"hour": 4, "minute": 13}
